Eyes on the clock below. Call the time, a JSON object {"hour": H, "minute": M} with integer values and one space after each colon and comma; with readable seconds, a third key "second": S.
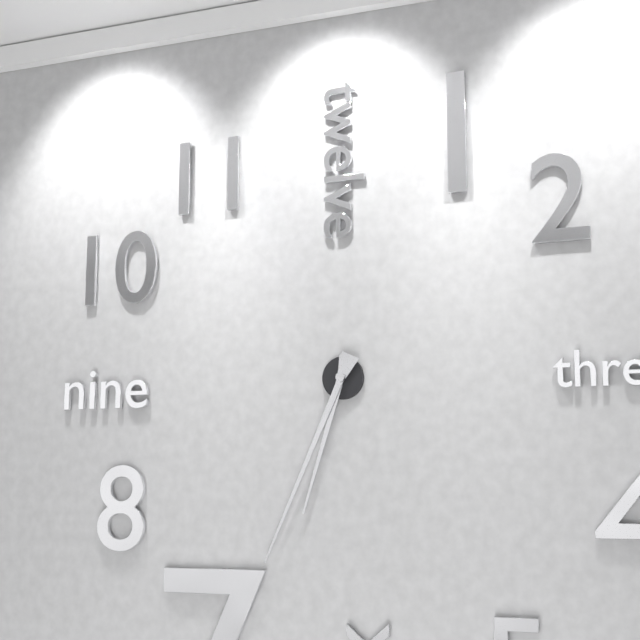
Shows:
{"hour": 6, "minute": 34}
